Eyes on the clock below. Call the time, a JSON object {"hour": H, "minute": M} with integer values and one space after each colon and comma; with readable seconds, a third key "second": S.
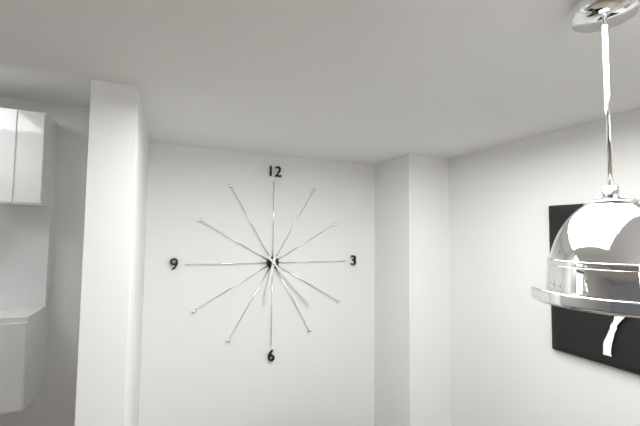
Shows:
{"hour": 6, "minute": 23}
